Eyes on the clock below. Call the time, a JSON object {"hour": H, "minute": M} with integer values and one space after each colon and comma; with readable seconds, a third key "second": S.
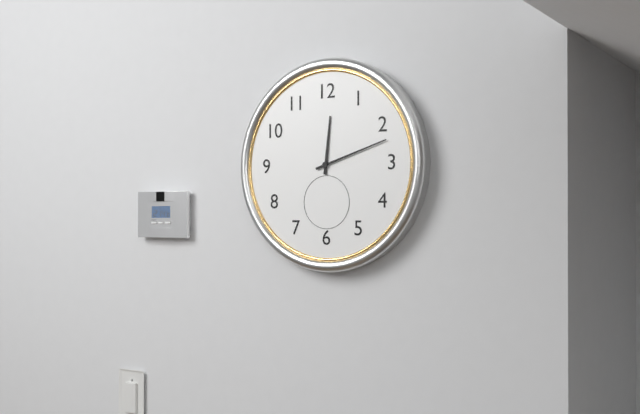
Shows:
{"hour": 12, "minute": 12}
